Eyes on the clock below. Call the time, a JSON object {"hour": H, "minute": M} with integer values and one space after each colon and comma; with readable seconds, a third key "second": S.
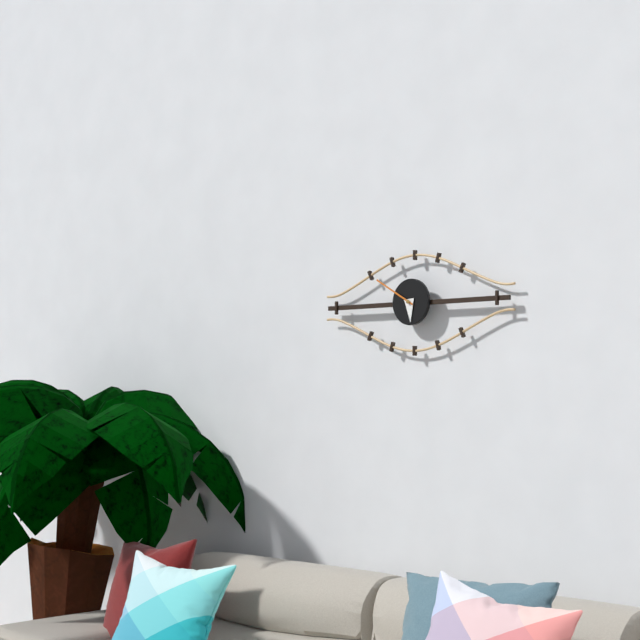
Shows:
{"hour": 5, "minute": 50}
